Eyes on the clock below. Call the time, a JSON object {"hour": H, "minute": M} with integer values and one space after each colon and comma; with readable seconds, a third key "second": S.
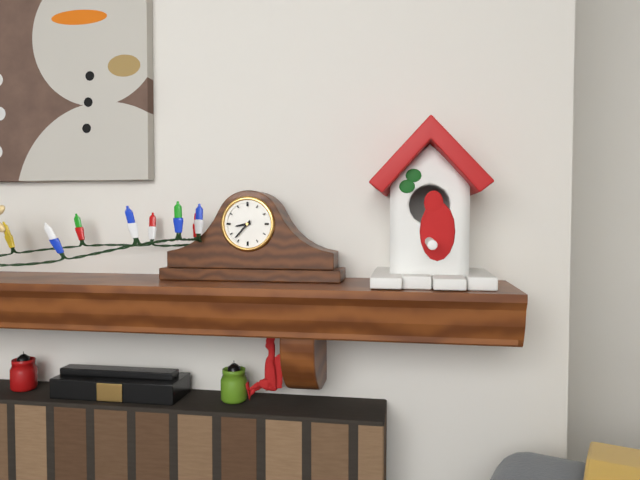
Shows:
{"hour": 8, "minute": 37}
